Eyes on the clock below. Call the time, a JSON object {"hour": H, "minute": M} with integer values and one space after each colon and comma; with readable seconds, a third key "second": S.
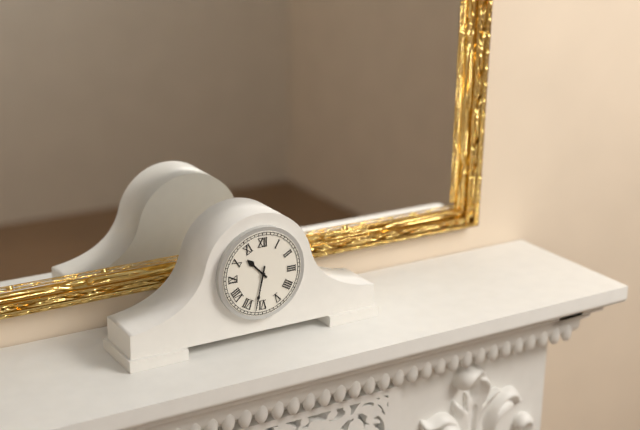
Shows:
{"hour": 10, "minute": 32}
